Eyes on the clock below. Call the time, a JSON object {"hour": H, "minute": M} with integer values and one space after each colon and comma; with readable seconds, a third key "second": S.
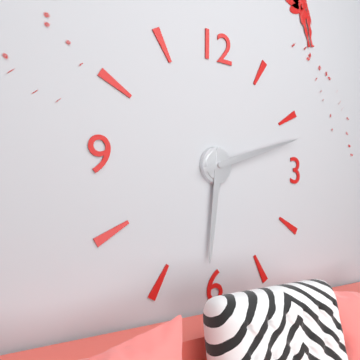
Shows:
{"hour": 6, "minute": 12}
